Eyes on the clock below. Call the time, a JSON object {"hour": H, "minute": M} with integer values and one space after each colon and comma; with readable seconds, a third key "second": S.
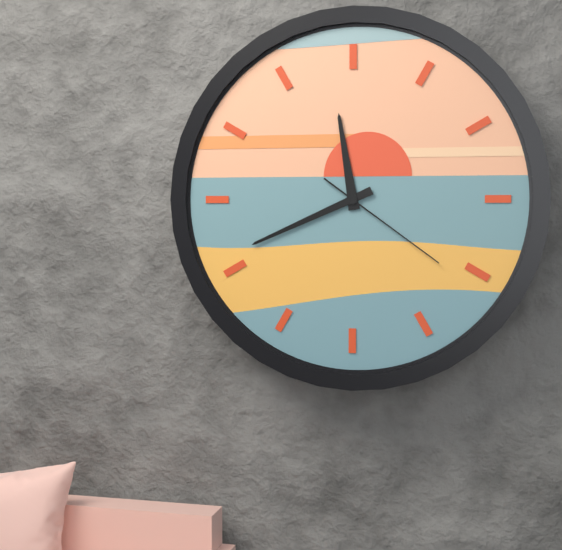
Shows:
{"hour": 11, "minute": 41, "second": 21}
